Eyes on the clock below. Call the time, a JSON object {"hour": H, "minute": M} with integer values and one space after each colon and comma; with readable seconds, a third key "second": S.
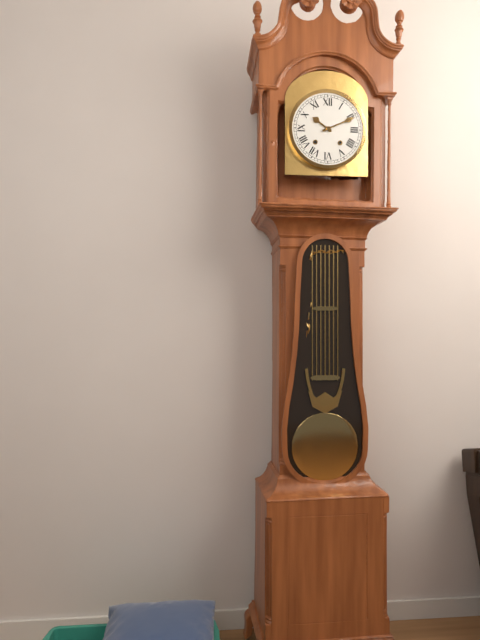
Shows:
{"hour": 10, "minute": 11}
